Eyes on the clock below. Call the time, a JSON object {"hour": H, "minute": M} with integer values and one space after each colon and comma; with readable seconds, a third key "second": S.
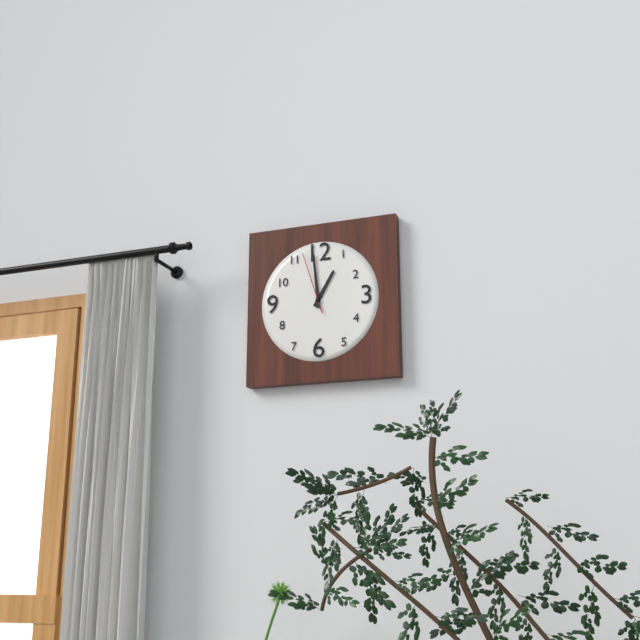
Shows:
{"hour": 12, "minute": 59, "second": 57}
